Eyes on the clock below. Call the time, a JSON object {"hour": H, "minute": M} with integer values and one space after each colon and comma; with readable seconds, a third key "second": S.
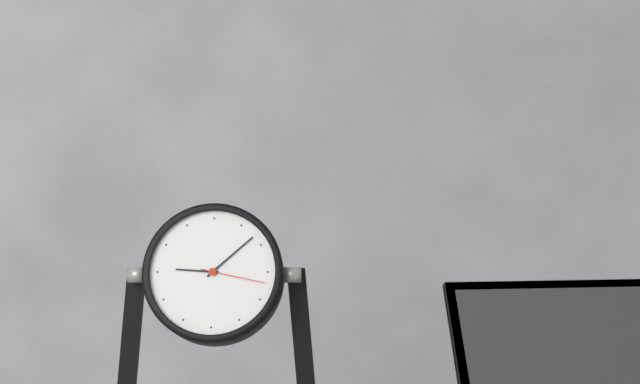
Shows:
{"hour": 9, "minute": 8, "second": 17}
